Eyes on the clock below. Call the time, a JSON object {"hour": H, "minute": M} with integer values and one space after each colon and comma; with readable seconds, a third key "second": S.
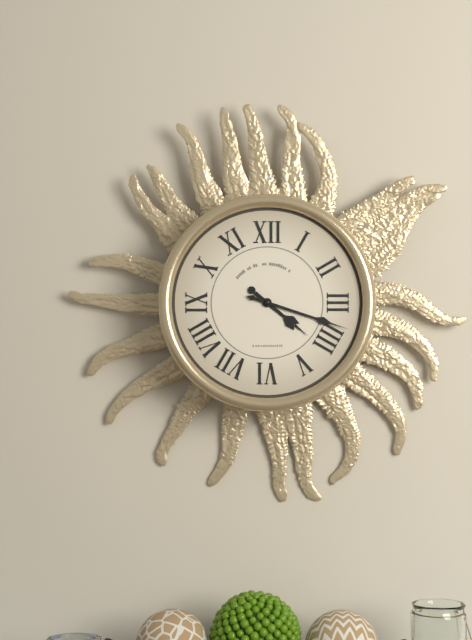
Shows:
{"hour": 4, "minute": 18}
